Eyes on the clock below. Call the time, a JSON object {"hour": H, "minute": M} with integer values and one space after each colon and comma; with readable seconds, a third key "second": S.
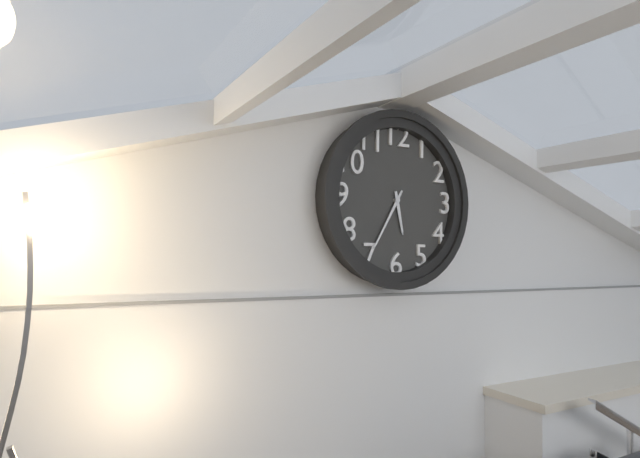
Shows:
{"hour": 5, "minute": 35}
